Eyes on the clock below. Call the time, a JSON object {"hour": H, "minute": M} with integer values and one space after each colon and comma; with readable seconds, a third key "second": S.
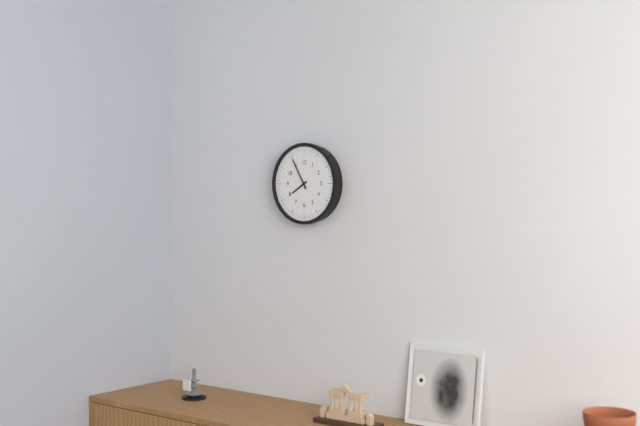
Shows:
{"hour": 7, "minute": 55}
